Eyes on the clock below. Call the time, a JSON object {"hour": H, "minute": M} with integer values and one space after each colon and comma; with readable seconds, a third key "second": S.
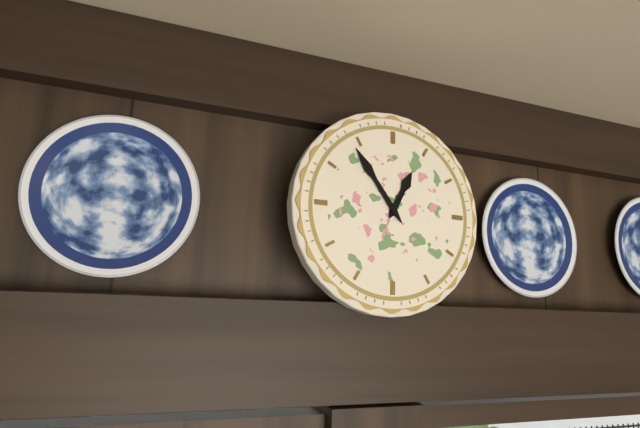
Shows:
{"hour": 12, "minute": 54}
